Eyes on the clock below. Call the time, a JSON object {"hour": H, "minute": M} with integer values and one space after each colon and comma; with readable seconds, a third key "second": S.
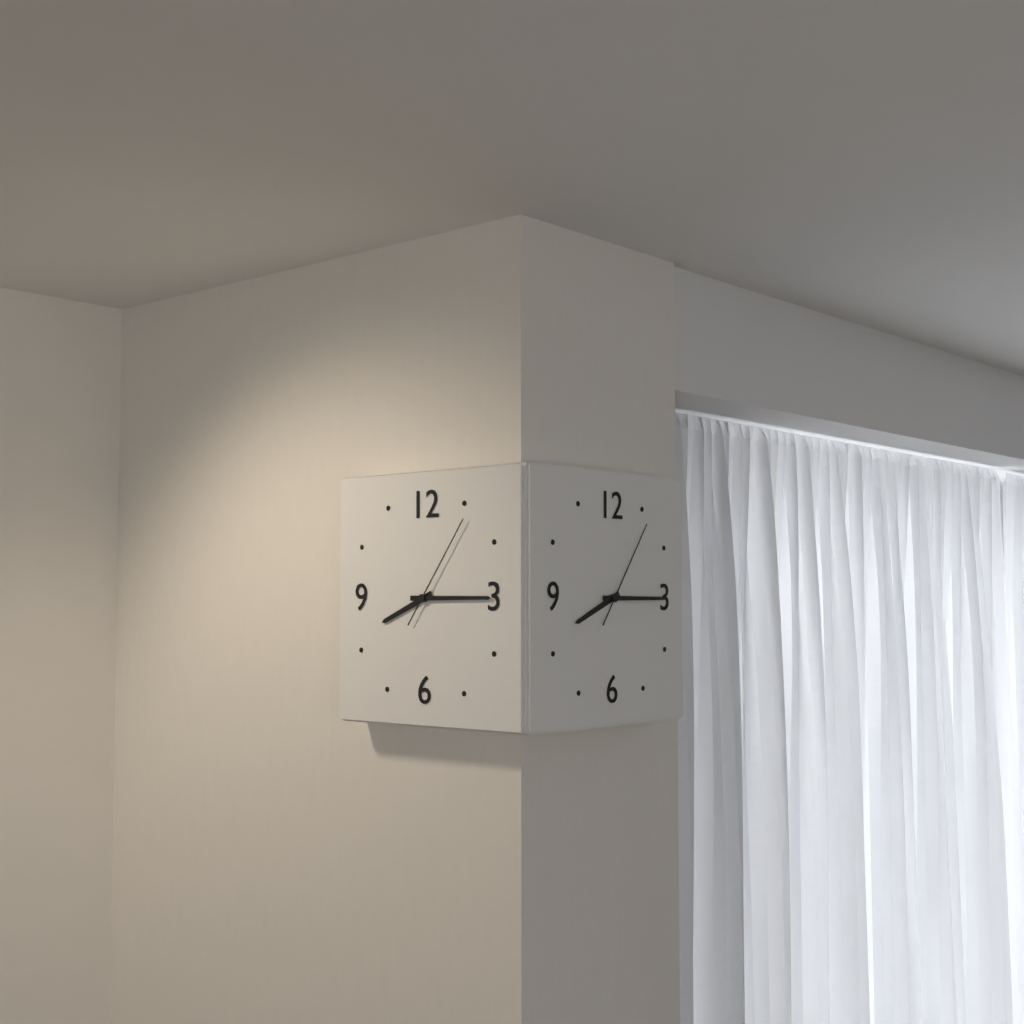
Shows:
{"hour": 8, "minute": 15, "second": 6}
